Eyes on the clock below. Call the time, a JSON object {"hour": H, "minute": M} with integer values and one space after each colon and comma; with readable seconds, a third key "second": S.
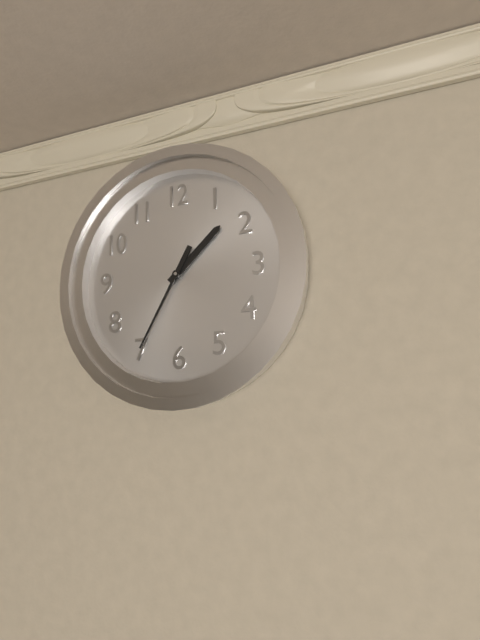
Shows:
{"hour": 1, "minute": 35}
